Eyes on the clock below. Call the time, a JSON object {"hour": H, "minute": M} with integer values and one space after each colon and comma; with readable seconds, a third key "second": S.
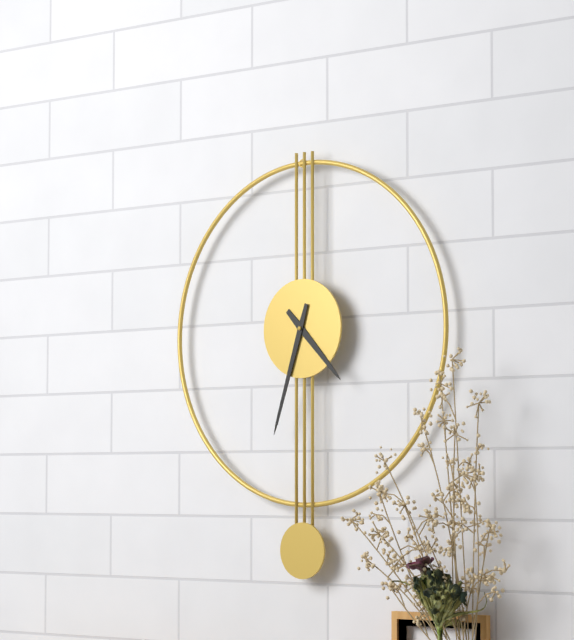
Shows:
{"hour": 4, "minute": 33}
